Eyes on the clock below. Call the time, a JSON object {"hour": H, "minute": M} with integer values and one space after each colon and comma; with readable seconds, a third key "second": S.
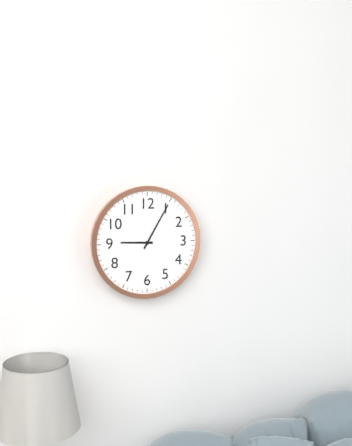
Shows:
{"hour": 9, "minute": 5}
